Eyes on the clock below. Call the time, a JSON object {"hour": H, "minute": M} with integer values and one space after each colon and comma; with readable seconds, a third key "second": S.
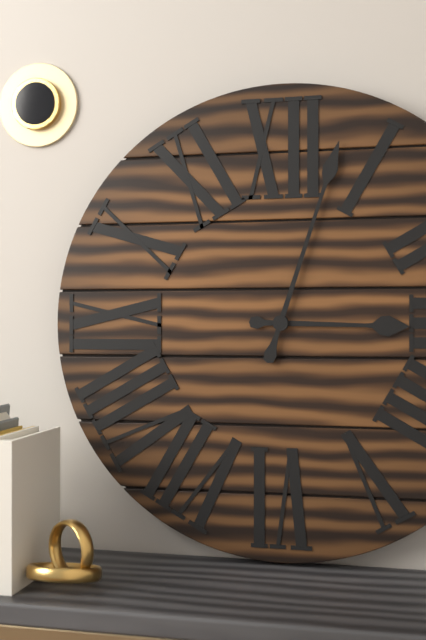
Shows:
{"hour": 3, "minute": 3}
